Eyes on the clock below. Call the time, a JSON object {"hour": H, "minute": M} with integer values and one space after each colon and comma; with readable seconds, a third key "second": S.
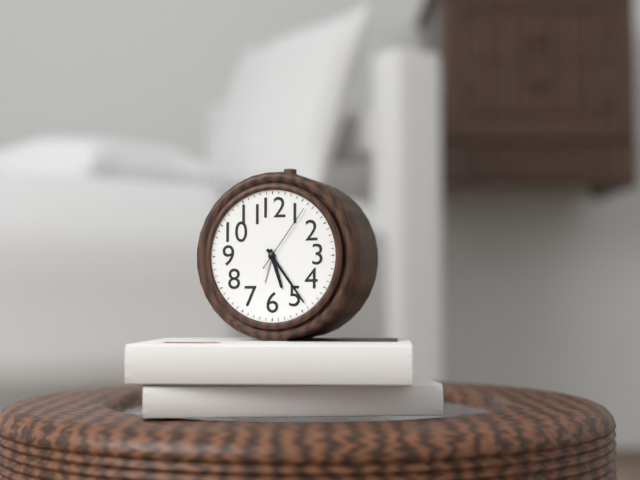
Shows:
{"hour": 5, "minute": 24, "second": 6}
